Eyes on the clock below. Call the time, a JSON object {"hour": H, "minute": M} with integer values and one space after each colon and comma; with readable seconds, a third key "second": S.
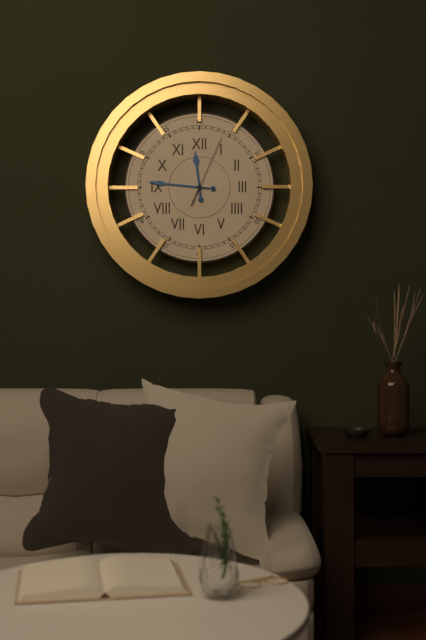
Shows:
{"hour": 11, "minute": 46, "second": 4}
